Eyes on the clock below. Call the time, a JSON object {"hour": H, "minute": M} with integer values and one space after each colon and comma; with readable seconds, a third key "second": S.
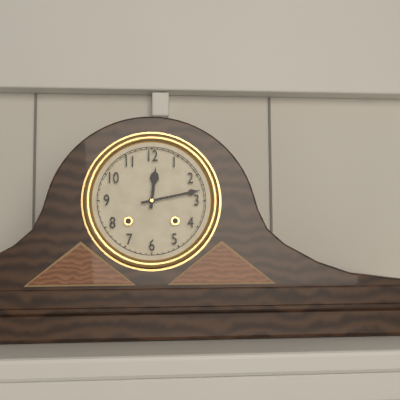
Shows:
{"hour": 12, "minute": 13}
